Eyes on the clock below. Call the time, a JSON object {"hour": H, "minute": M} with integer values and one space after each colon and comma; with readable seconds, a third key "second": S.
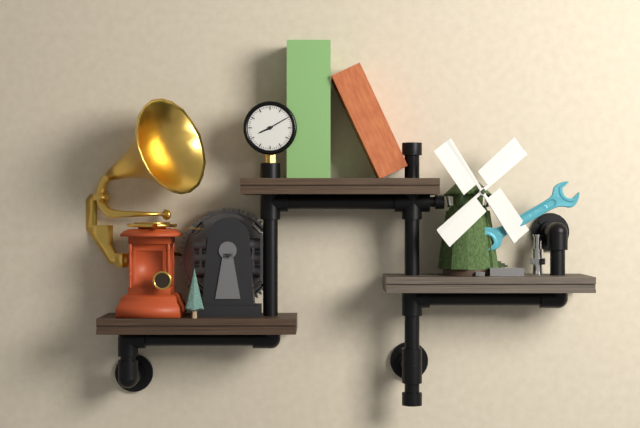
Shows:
{"hour": 8, "minute": 10}
